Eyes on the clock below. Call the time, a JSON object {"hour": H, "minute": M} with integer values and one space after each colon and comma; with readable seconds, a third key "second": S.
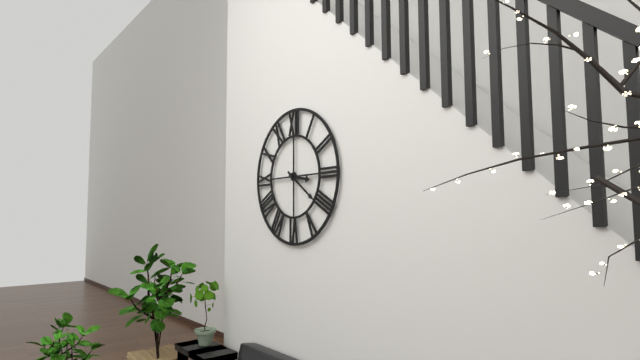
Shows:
{"hour": 3, "minute": 21}
